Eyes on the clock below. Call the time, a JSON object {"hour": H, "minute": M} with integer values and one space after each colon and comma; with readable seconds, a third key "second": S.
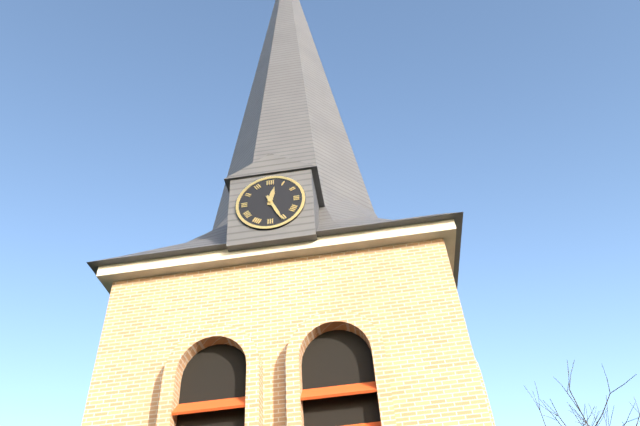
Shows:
{"hour": 12, "minute": 26}
